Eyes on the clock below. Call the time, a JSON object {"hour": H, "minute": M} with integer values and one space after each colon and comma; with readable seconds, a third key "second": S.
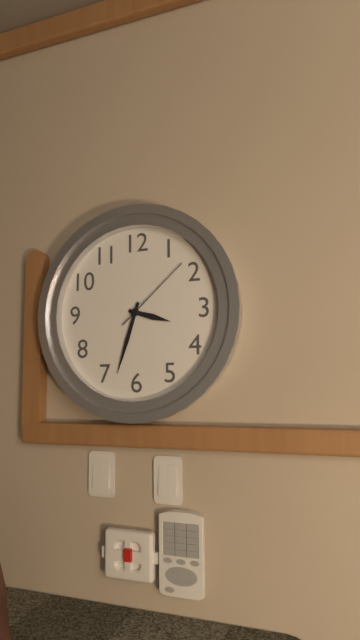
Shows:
{"hour": 3, "minute": 33, "second": 8}
